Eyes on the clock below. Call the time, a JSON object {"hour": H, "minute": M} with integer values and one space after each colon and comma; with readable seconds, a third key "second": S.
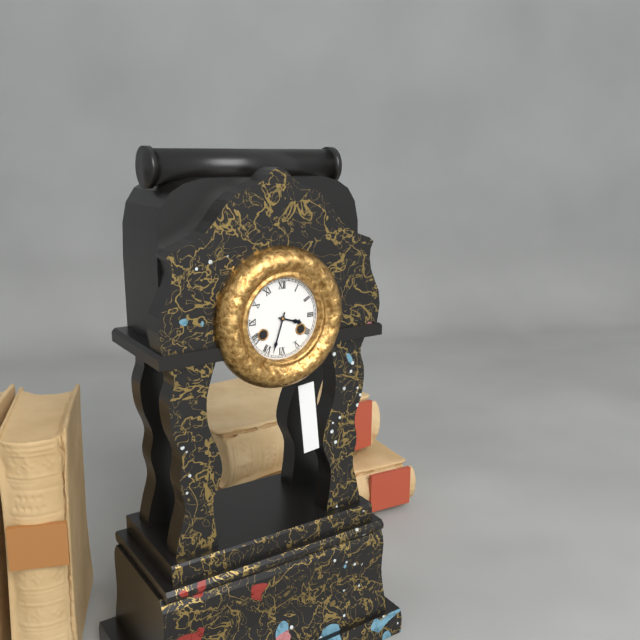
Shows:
{"hour": 3, "minute": 33}
